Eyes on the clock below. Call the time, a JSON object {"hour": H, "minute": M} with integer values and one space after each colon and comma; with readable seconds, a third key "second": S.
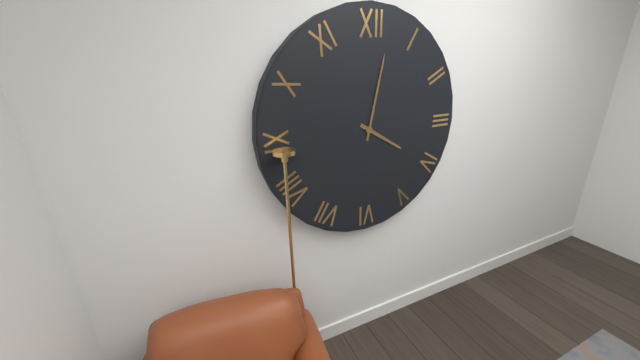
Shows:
{"hour": 4, "minute": 2}
